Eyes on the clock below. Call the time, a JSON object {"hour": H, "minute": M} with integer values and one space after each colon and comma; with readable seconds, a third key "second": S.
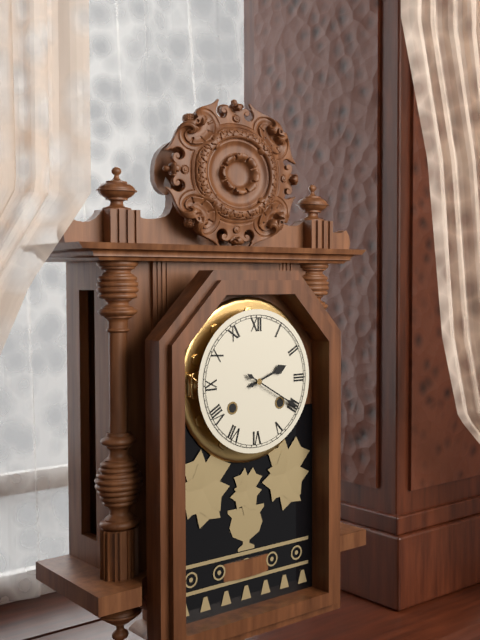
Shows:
{"hour": 2, "minute": 20}
